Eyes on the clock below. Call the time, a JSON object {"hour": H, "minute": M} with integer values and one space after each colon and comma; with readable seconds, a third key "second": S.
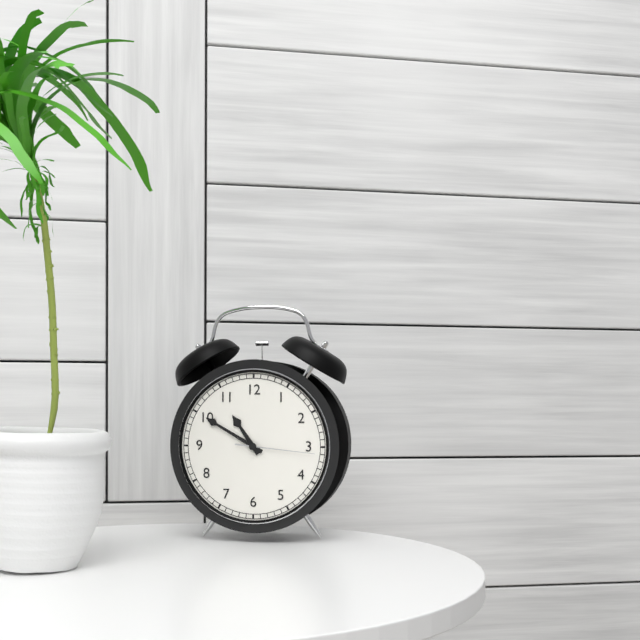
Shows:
{"hour": 10, "minute": 50, "second": 16}
